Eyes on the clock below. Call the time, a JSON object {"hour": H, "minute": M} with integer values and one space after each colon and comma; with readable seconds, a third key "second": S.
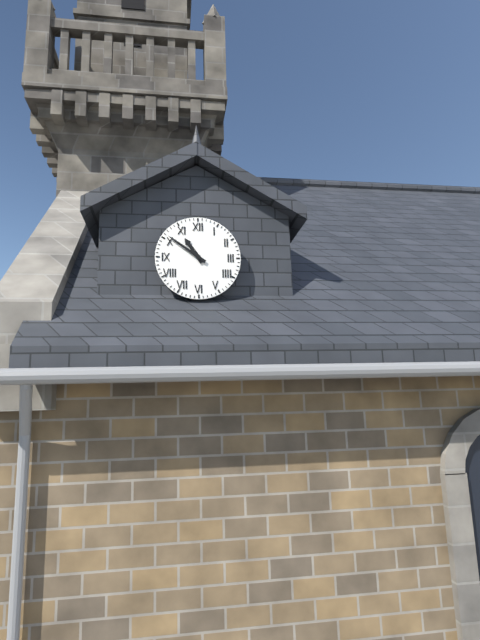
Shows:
{"hour": 10, "minute": 51}
